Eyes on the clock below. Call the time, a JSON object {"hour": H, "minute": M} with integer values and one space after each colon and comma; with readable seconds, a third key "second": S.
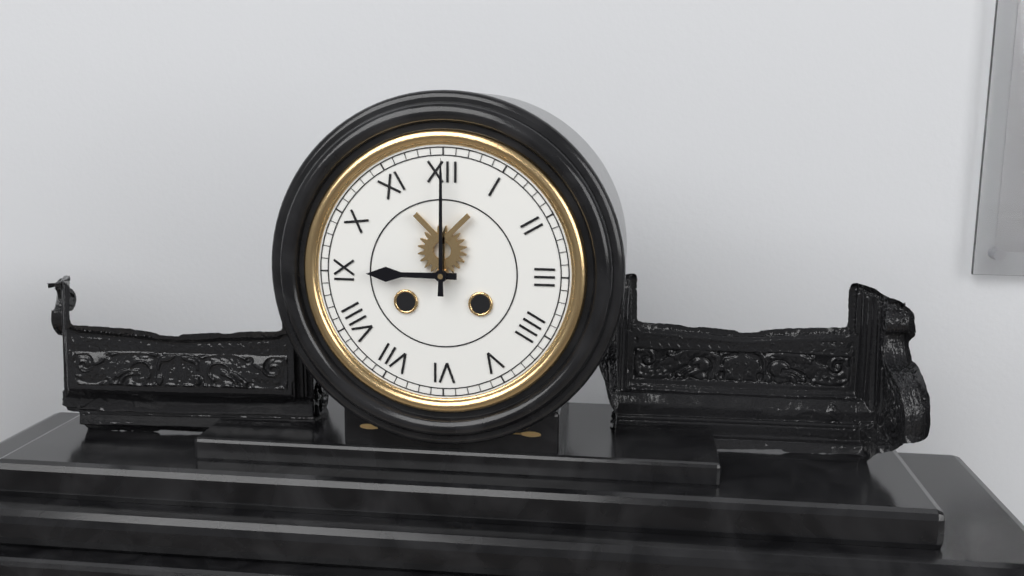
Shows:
{"hour": 9, "minute": 0}
